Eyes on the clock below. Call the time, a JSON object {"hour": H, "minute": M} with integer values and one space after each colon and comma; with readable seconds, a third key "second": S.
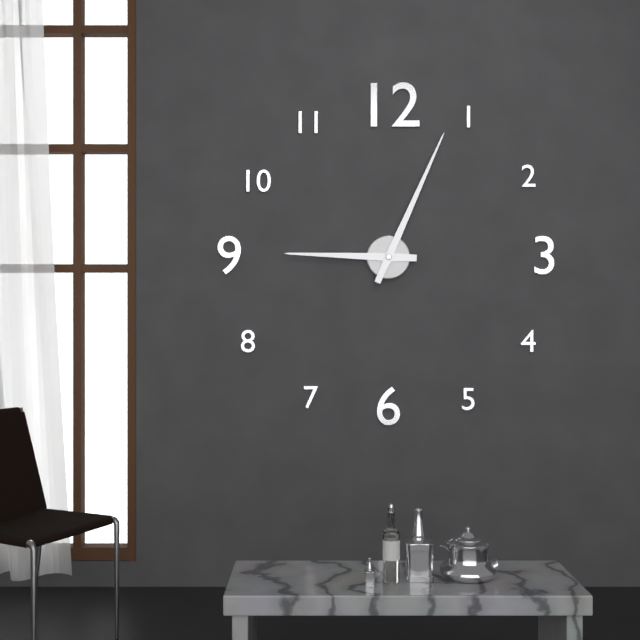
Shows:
{"hour": 9, "minute": 4}
